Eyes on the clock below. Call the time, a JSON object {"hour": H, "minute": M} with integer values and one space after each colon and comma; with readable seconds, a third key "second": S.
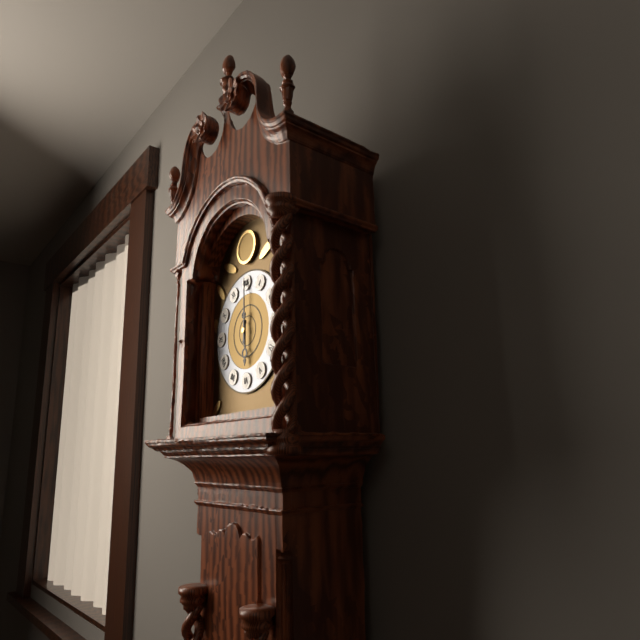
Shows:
{"hour": 6, "minute": 0}
